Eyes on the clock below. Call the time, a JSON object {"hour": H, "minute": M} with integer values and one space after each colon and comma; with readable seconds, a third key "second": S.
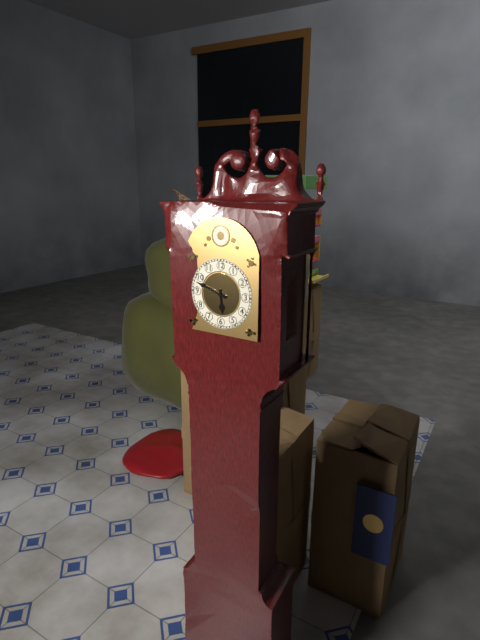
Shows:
{"hour": 5, "minute": 48}
